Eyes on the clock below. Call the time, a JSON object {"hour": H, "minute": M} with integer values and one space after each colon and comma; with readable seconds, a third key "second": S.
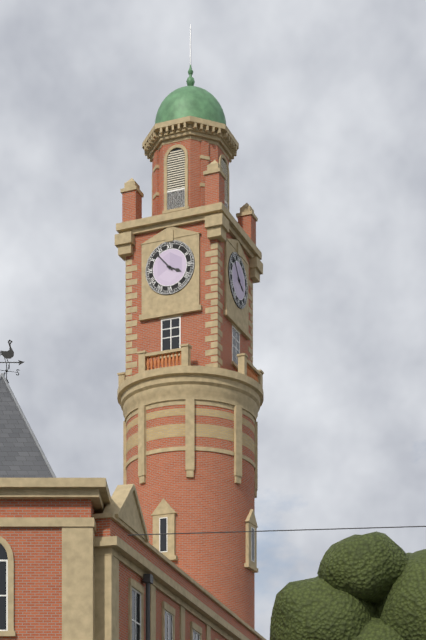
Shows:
{"hour": 3, "minute": 53}
